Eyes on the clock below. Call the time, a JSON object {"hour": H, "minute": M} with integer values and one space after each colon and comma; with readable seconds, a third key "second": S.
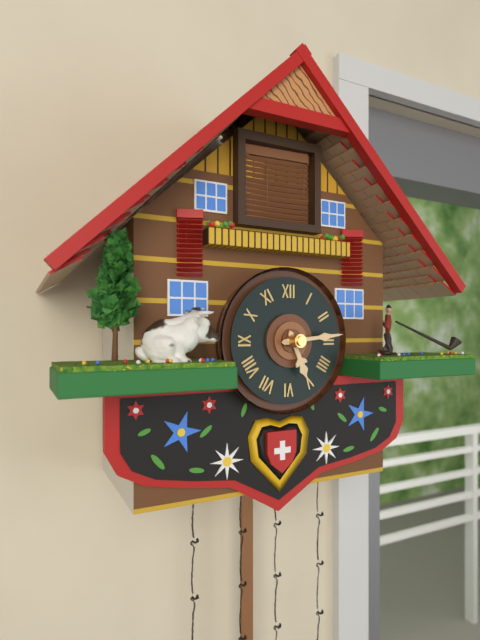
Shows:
{"hour": 5, "minute": 14}
